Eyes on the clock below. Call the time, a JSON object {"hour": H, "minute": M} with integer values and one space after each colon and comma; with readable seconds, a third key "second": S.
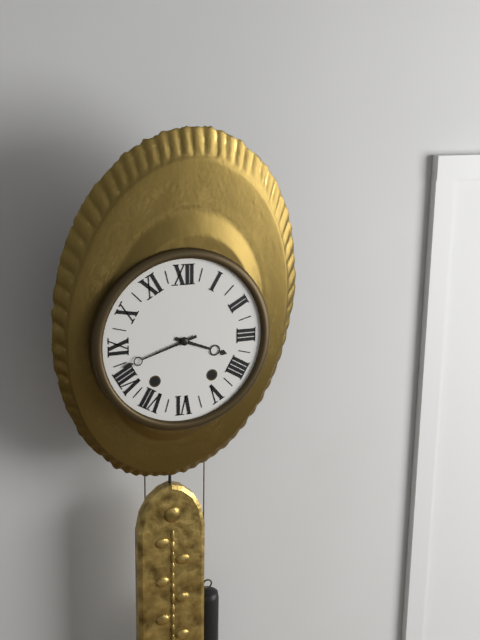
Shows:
{"hour": 3, "minute": 42}
